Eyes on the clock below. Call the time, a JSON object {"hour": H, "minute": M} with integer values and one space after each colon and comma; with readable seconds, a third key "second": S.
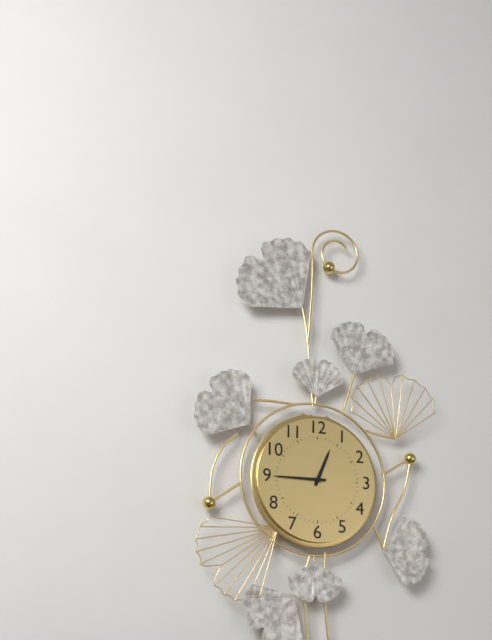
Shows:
{"hour": 12, "minute": 45}
